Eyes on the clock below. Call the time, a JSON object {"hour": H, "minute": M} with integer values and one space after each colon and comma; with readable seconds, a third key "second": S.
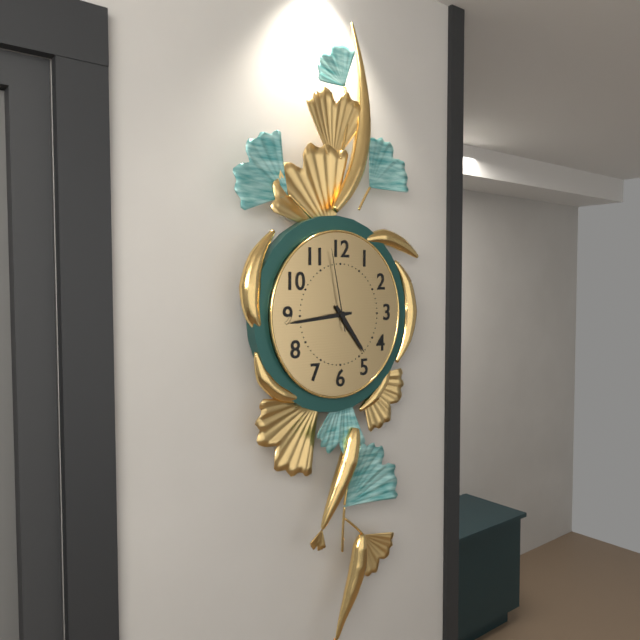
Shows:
{"hour": 4, "minute": 44, "second": 58}
